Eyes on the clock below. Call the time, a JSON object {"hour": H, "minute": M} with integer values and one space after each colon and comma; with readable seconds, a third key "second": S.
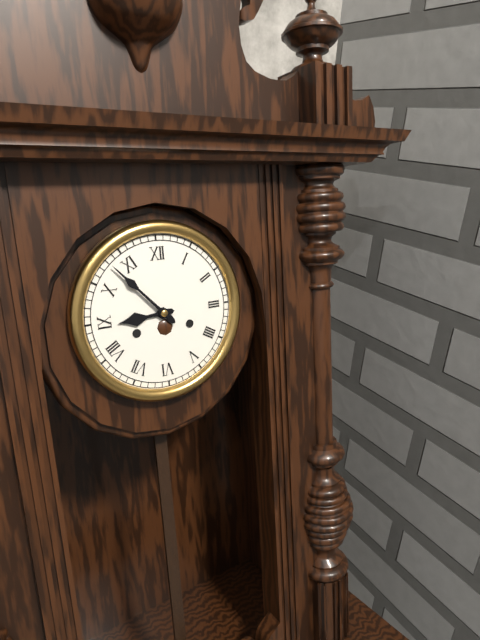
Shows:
{"hour": 8, "minute": 53}
